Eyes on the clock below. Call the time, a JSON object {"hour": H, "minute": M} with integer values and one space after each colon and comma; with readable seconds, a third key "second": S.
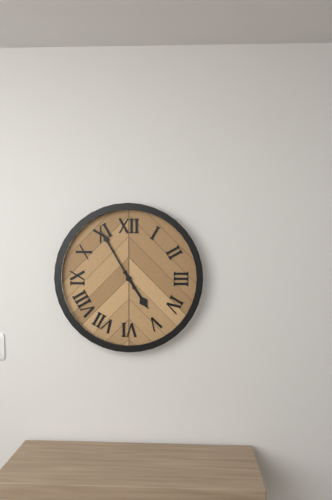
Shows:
{"hour": 4, "minute": 55}
